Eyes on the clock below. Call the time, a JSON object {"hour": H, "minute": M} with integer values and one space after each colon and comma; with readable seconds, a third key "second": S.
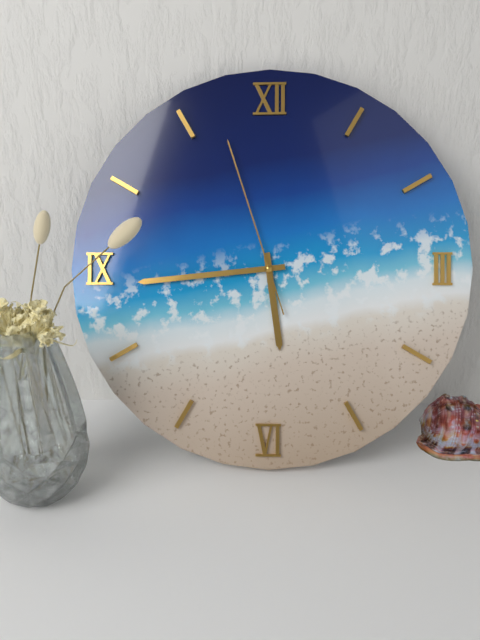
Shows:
{"hour": 5, "minute": 44, "second": 57}
